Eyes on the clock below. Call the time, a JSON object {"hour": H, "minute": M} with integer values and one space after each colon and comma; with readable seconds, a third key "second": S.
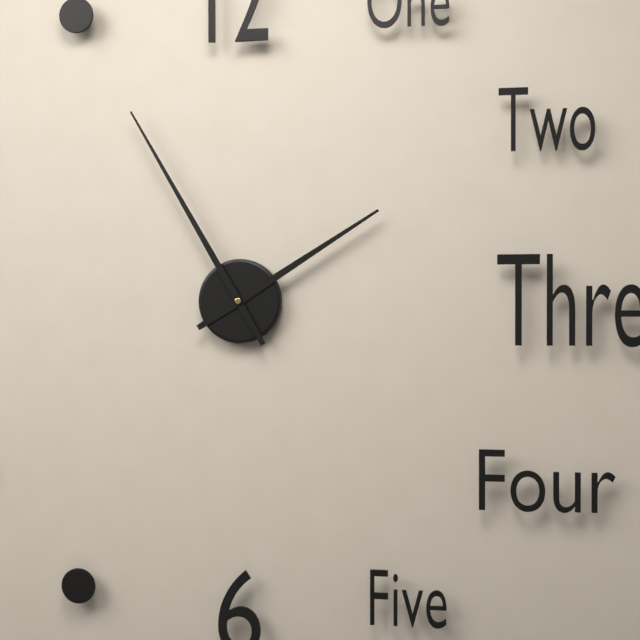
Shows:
{"hour": 1, "minute": 55}
